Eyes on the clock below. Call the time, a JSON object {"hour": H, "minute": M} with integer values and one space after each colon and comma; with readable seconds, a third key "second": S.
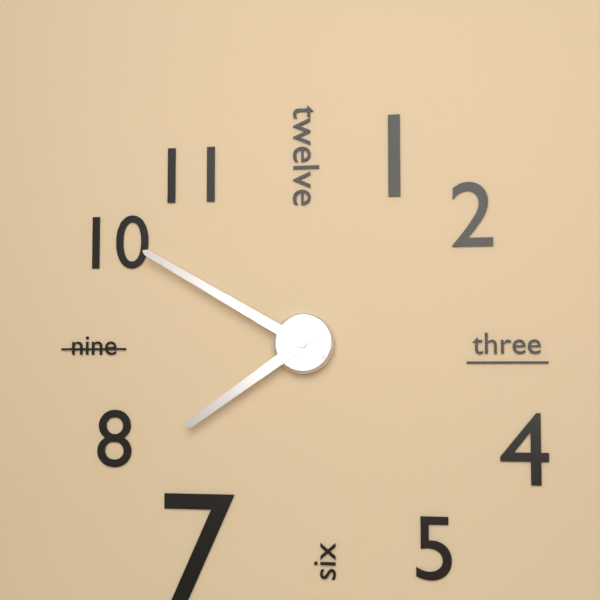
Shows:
{"hour": 7, "minute": 50}
